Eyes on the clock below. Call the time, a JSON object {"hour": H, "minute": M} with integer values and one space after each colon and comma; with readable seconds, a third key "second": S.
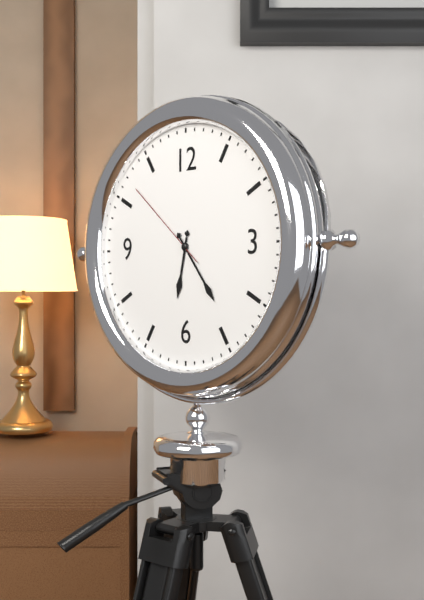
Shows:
{"hour": 6, "minute": 24, "second": 52}
